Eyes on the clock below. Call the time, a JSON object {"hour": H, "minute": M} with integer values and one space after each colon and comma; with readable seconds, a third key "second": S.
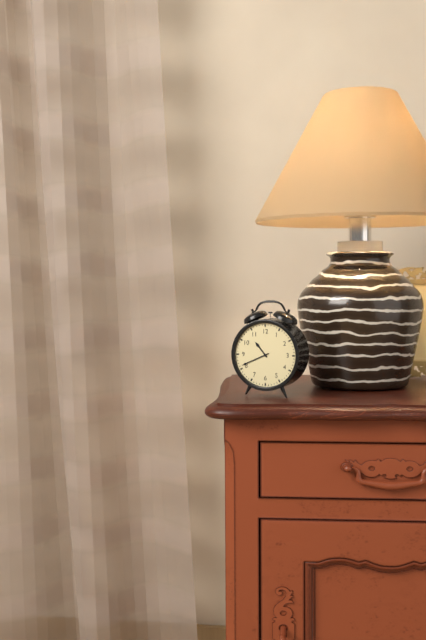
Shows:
{"hour": 10, "minute": 41}
